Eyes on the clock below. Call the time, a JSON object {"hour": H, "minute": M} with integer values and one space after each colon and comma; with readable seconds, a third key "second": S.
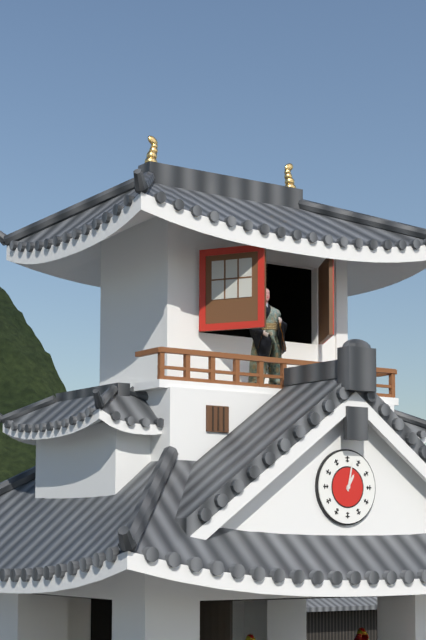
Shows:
{"hour": 1, "minute": 2}
